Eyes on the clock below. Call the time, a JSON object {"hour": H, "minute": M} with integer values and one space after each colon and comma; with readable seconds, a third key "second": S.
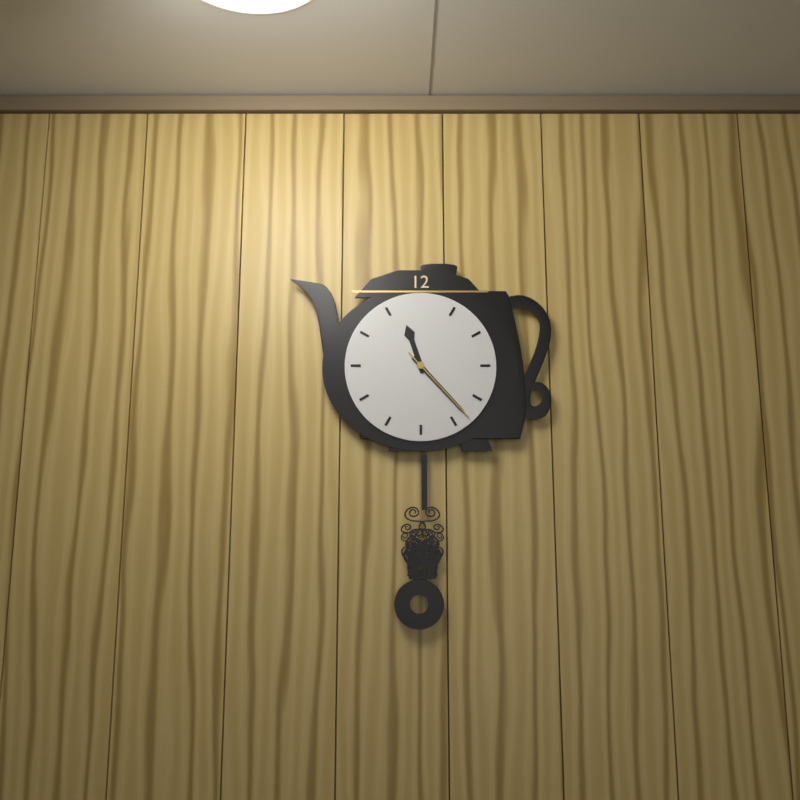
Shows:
{"hour": 11, "minute": 23, "second": 23}
